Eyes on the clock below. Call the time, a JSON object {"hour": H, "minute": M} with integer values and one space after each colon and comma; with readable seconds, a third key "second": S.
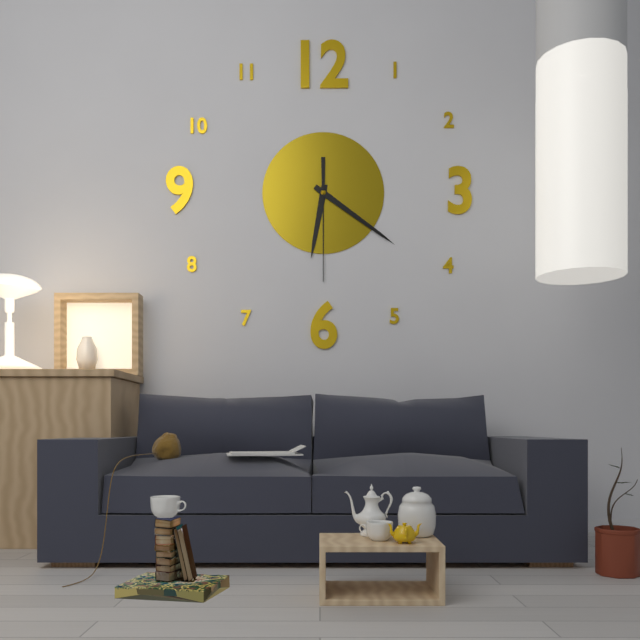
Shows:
{"hour": 6, "minute": 21, "second": 30}
